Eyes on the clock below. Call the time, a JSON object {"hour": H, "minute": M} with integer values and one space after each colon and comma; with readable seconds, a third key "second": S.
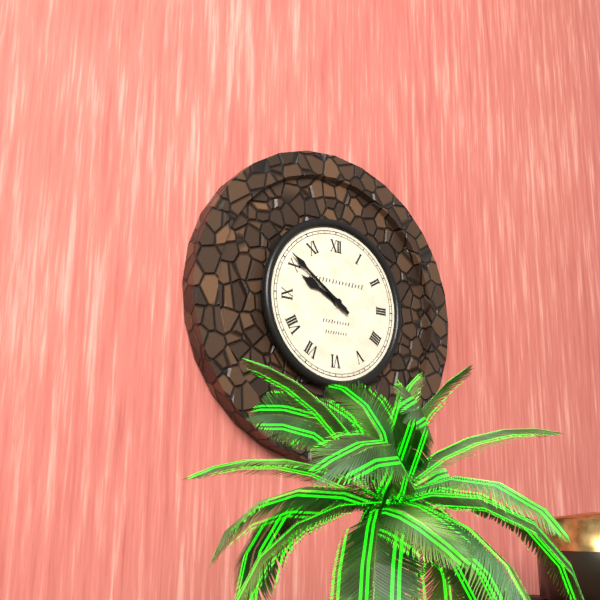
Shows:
{"hour": 9, "minute": 51}
